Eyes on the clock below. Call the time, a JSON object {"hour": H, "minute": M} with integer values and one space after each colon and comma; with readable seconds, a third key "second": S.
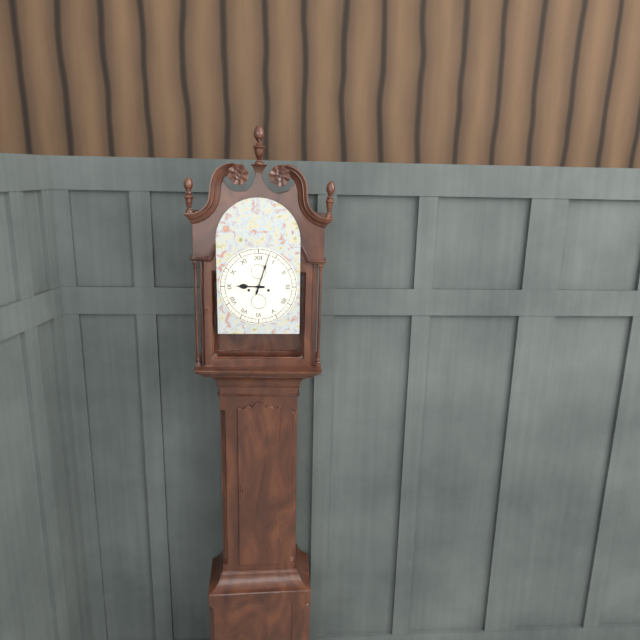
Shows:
{"hour": 9, "minute": 3}
